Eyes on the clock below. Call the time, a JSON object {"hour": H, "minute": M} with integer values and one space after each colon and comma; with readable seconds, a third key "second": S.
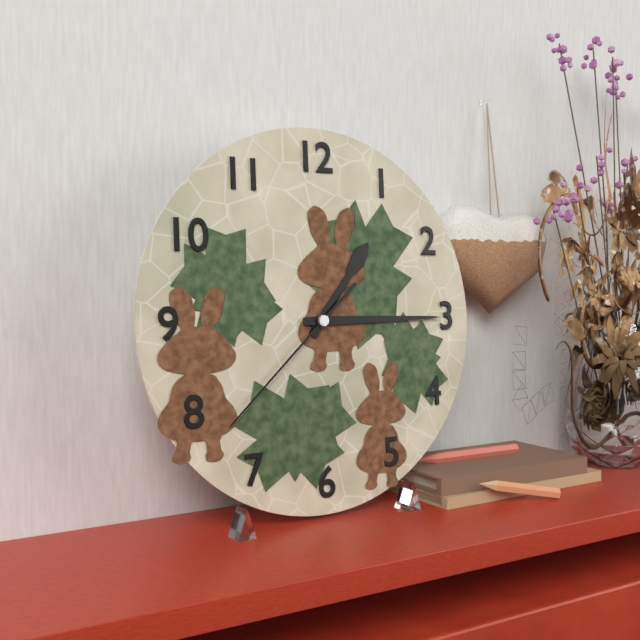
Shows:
{"hour": 1, "minute": 15, "second": 38}
